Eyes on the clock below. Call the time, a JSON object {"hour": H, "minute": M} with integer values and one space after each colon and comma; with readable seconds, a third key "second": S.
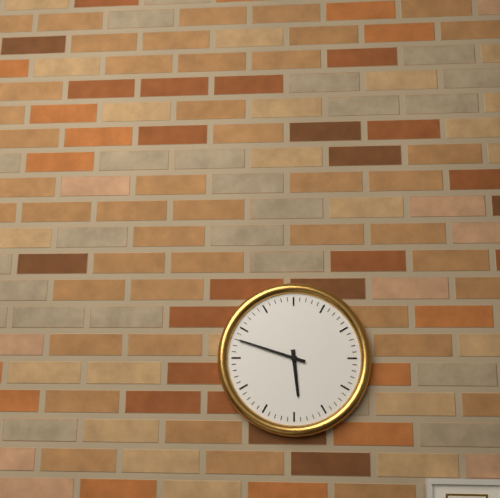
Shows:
{"hour": 5, "minute": 48}
